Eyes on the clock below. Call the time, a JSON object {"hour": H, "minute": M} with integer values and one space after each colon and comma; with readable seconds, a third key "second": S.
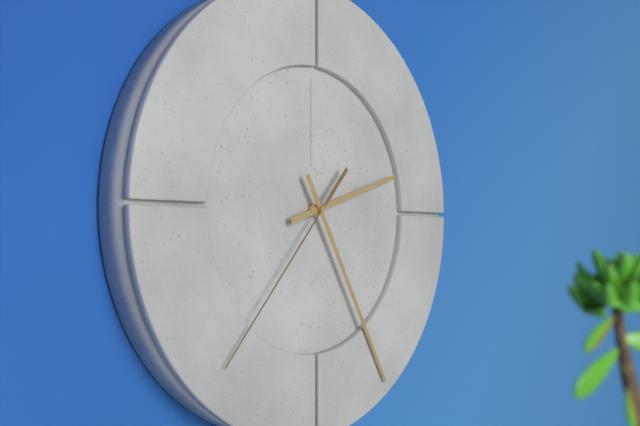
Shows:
{"hour": 2, "minute": 25, "second": 37}
